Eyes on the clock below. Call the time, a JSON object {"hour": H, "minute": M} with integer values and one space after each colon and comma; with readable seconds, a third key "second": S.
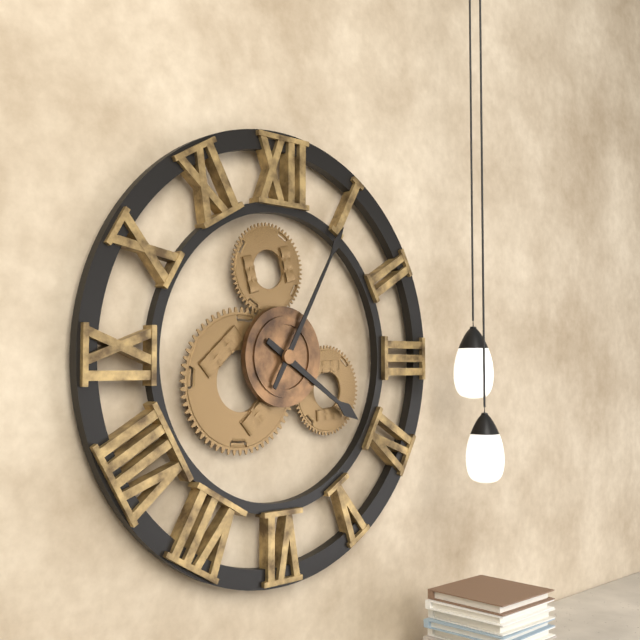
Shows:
{"hour": 4, "minute": 5}
